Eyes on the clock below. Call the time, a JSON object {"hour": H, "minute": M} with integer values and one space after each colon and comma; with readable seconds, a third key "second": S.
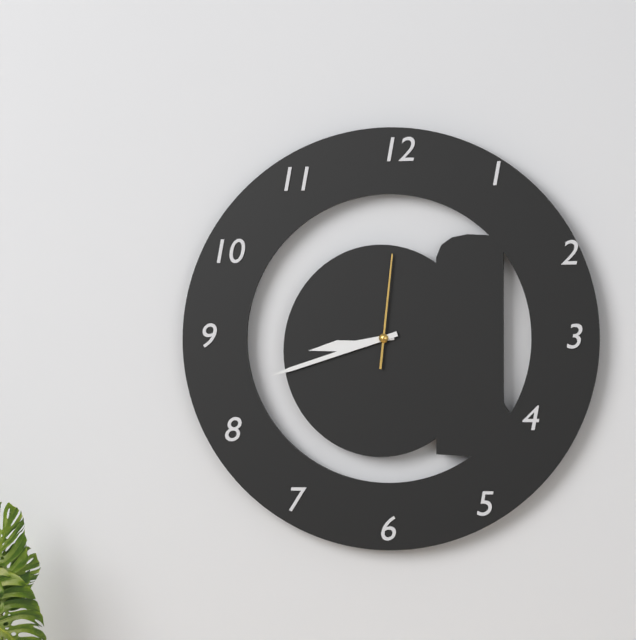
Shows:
{"hour": 8, "minute": 42, "second": 1}
